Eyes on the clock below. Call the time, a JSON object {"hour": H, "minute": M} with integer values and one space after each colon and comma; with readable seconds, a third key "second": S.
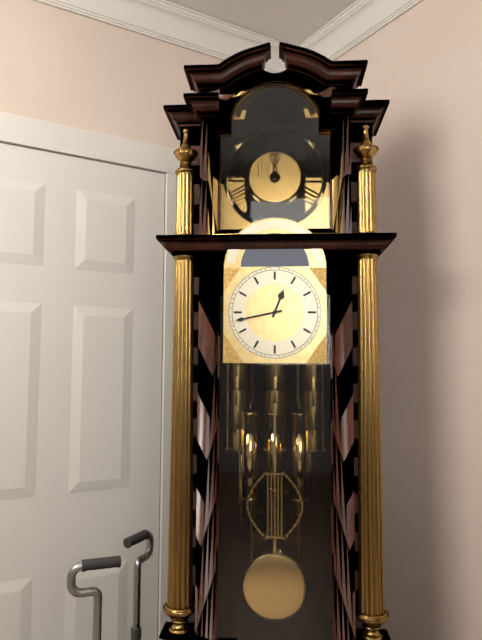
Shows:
{"hour": 12, "minute": 43}
